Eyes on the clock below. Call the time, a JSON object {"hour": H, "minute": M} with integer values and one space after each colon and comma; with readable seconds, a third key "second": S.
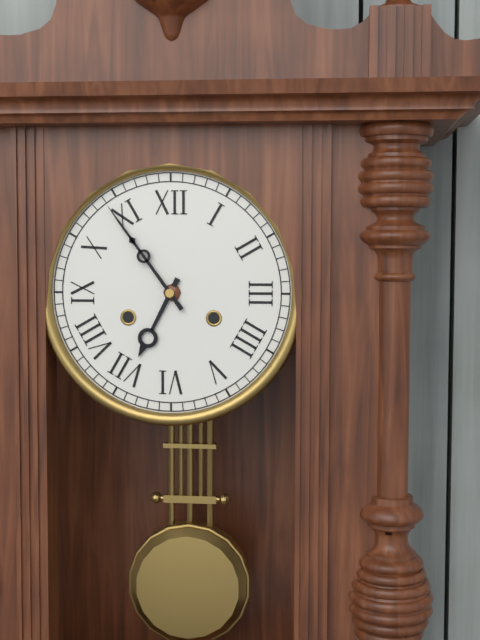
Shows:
{"hour": 6, "minute": 54}
